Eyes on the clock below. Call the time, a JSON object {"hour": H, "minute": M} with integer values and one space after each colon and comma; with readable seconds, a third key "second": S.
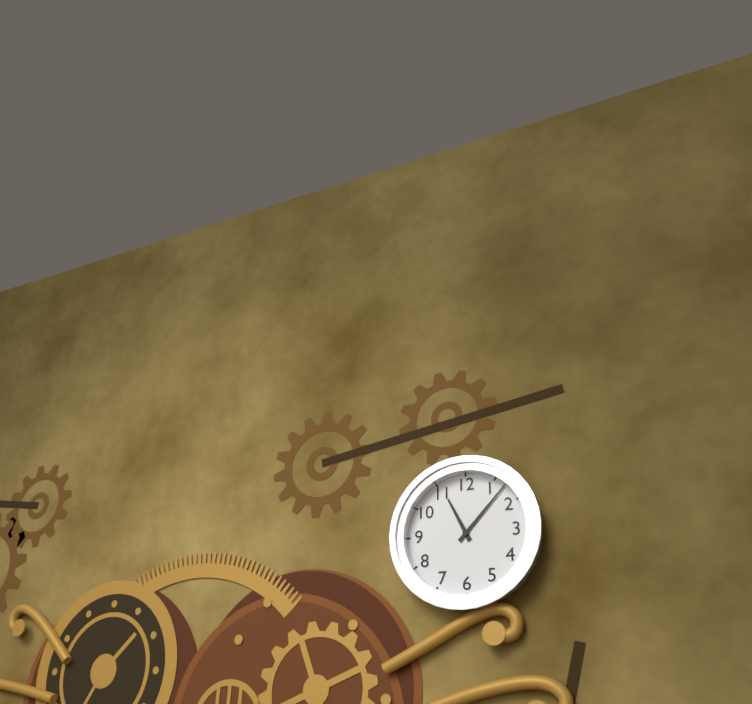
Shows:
{"hour": 11, "minute": 7}
